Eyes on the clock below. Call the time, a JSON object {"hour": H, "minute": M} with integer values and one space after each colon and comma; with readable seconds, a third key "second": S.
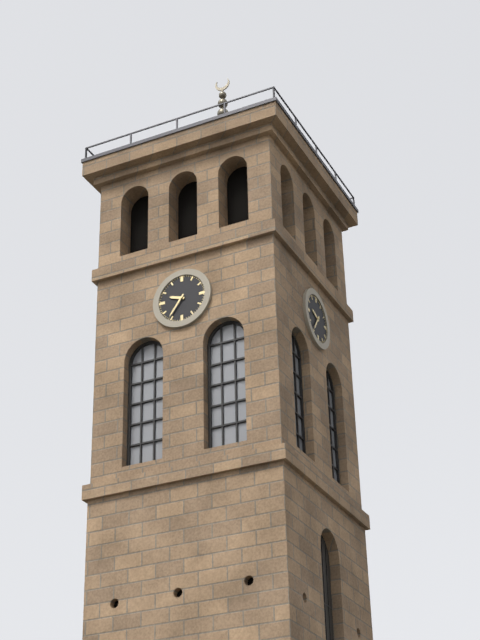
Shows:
{"hour": 9, "minute": 36}
